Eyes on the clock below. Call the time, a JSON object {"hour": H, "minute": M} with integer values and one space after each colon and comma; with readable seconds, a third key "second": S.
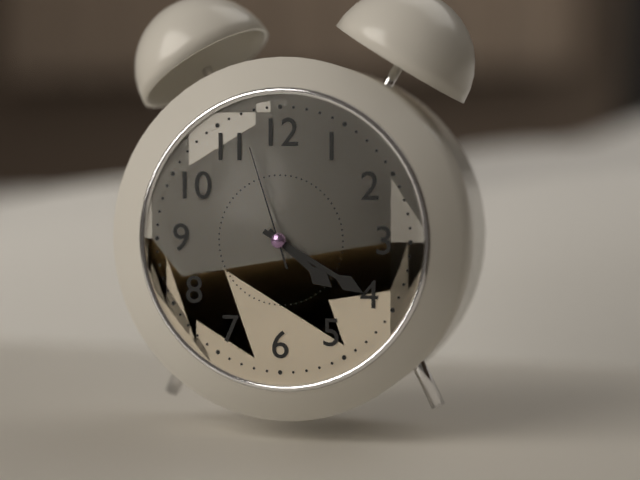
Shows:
{"hour": 4, "minute": 20, "second": 57}
